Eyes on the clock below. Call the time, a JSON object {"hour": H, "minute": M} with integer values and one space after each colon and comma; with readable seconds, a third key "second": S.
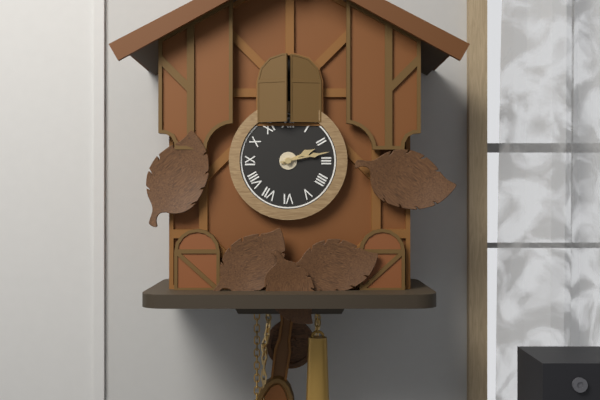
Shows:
{"hour": 2, "minute": 13}
